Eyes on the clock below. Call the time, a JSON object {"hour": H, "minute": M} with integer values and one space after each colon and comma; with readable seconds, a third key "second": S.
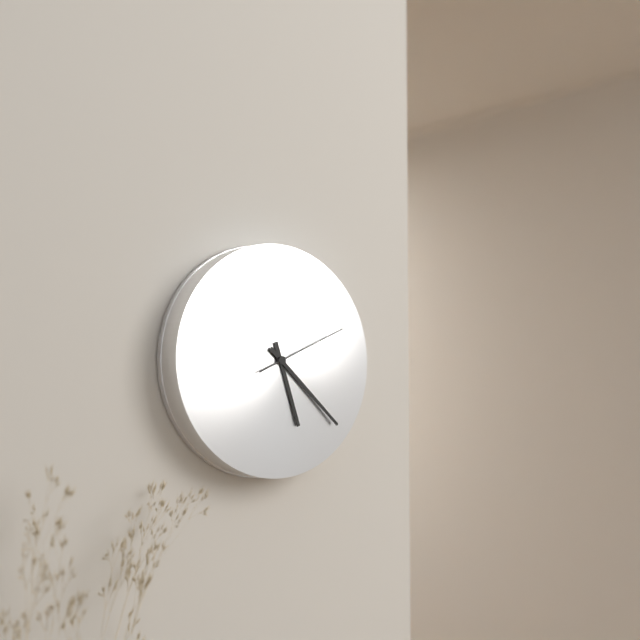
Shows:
{"hour": 5, "minute": 22, "second": 11}
